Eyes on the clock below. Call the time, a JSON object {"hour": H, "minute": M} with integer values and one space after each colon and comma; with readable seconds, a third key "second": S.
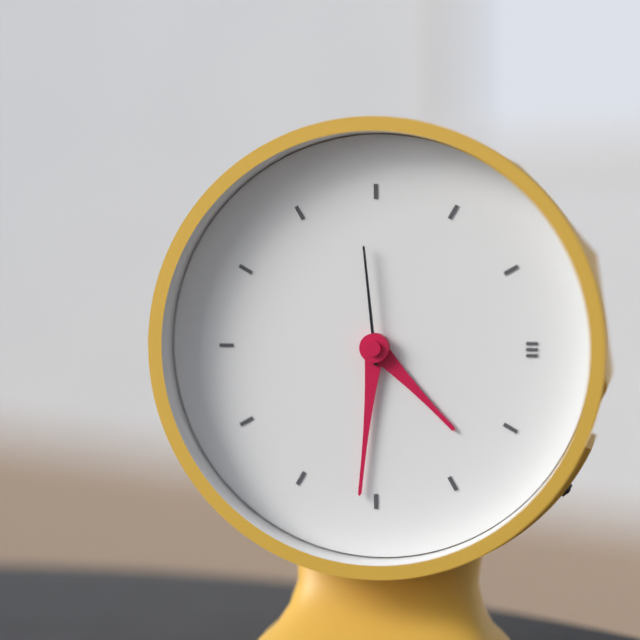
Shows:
{"hour": 4, "minute": 31, "second": 59}
